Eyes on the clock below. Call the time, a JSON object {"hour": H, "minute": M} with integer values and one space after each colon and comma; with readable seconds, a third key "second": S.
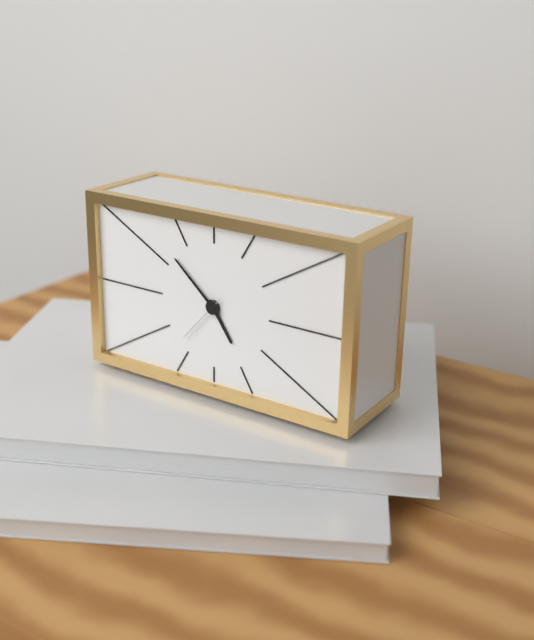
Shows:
{"hour": 4, "minute": 52, "second": 37}
